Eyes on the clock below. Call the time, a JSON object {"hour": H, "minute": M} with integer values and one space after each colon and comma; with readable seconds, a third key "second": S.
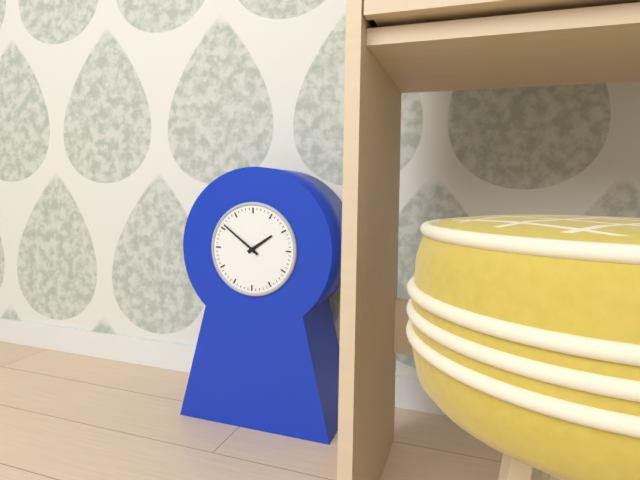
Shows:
{"hour": 1, "minute": 51}
